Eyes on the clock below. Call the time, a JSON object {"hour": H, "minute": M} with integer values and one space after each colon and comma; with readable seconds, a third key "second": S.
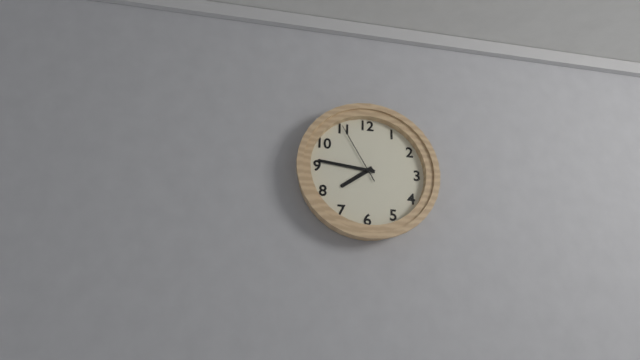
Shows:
{"hour": 7, "minute": 46, "second": 55}
